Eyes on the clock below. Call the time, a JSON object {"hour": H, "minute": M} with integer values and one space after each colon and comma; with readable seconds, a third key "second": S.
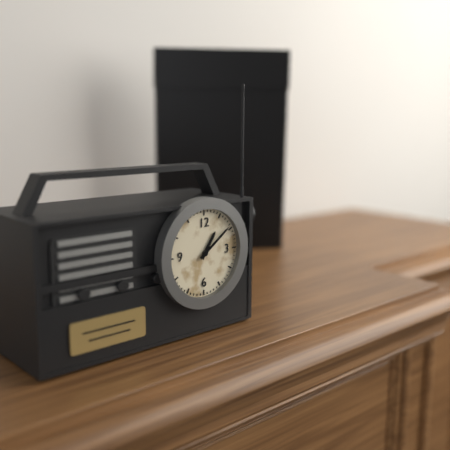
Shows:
{"hour": 1, "minute": 9}
